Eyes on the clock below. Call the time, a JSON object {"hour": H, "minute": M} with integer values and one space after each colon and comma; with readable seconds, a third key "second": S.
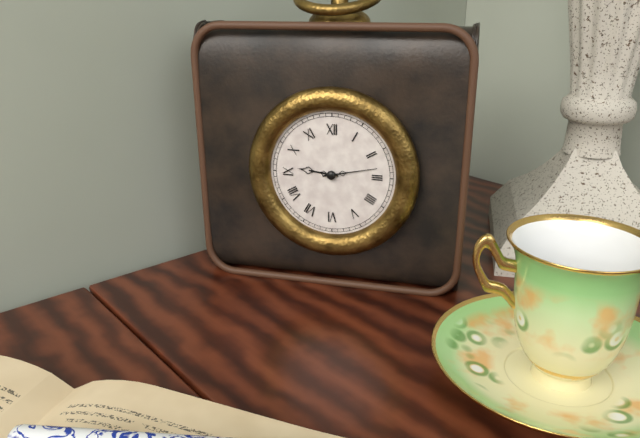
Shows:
{"hour": 9, "minute": 13}
